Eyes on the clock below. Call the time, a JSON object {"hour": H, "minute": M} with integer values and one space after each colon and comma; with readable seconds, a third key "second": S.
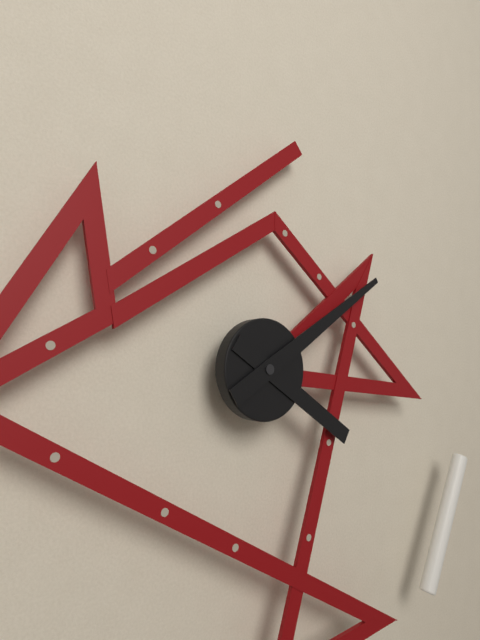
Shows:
{"hour": 4, "minute": 10}
